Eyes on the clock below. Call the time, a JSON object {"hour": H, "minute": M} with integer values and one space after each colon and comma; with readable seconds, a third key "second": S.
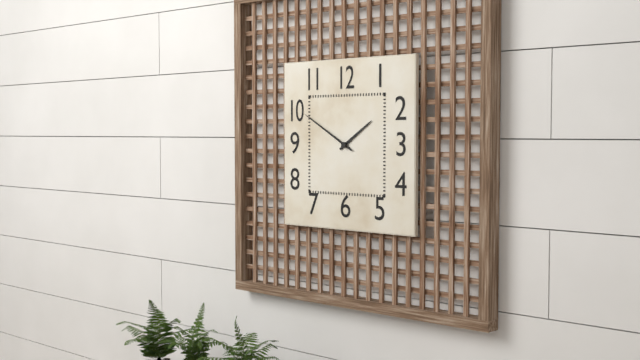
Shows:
{"hour": 1, "minute": 50}
